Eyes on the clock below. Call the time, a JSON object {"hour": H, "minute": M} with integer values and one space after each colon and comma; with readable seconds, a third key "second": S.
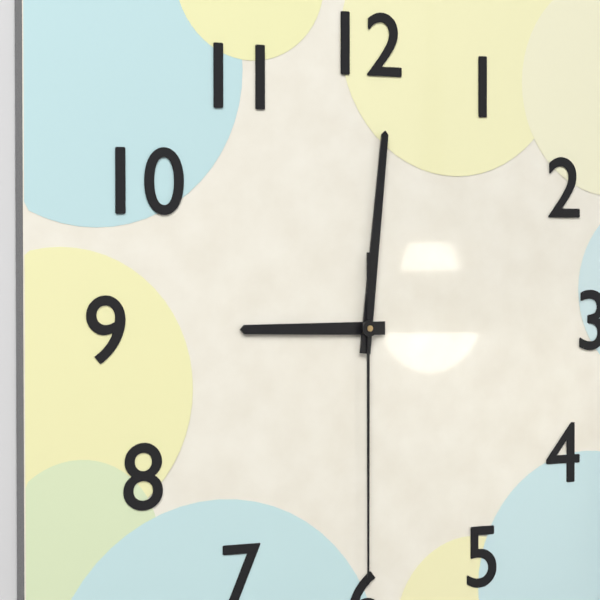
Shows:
{"hour": 9, "minute": 1, "second": 30}
